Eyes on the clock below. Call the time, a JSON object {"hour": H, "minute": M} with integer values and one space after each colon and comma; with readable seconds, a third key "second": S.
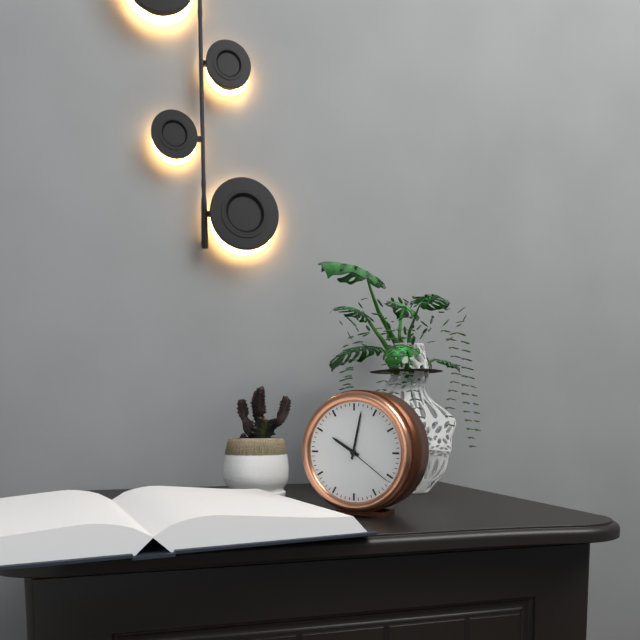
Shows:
{"hour": 10, "minute": 2}
